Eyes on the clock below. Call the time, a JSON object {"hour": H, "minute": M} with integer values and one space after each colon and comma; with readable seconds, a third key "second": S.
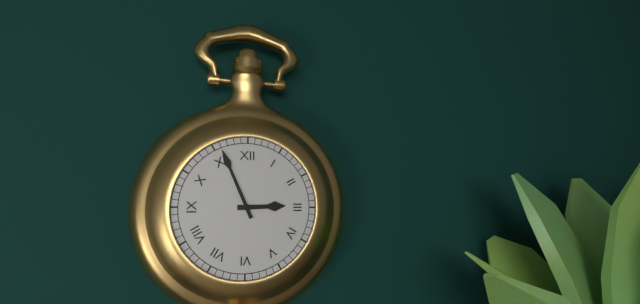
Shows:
{"hour": 2, "minute": 56}
